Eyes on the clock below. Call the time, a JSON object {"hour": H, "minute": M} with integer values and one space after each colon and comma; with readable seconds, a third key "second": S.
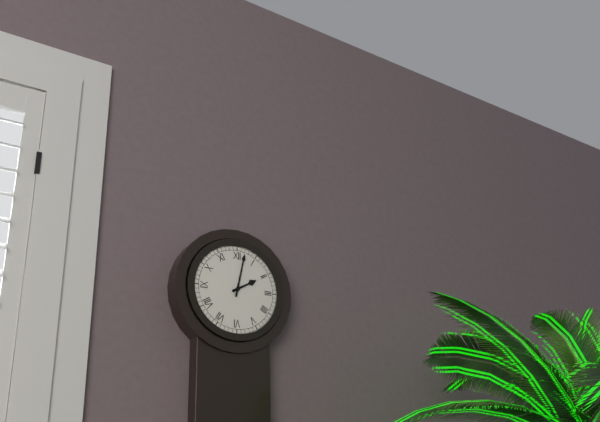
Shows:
{"hour": 2, "minute": 2}
